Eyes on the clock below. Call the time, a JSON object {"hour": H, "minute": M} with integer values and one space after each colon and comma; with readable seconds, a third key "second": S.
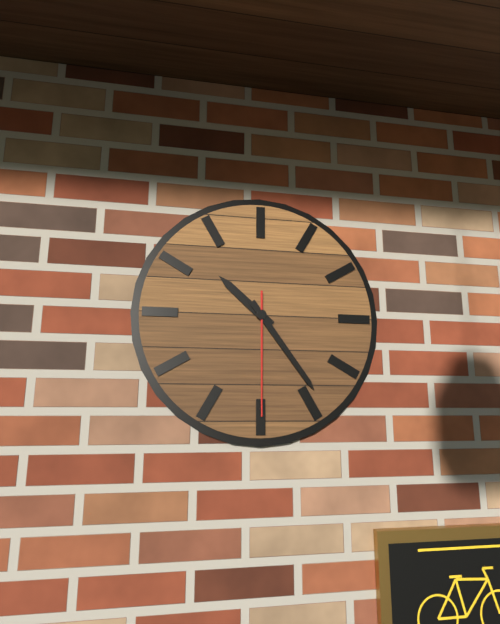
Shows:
{"hour": 10, "minute": 24, "second": 30}
